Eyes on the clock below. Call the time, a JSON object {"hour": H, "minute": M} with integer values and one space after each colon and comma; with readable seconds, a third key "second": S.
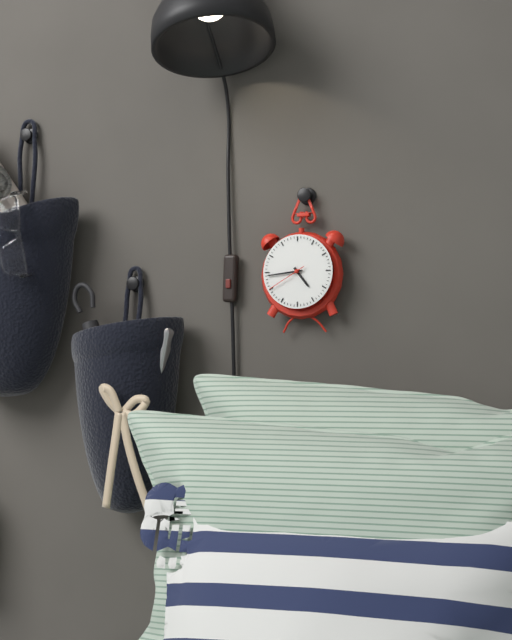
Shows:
{"hour": 4, "minute": 44}
